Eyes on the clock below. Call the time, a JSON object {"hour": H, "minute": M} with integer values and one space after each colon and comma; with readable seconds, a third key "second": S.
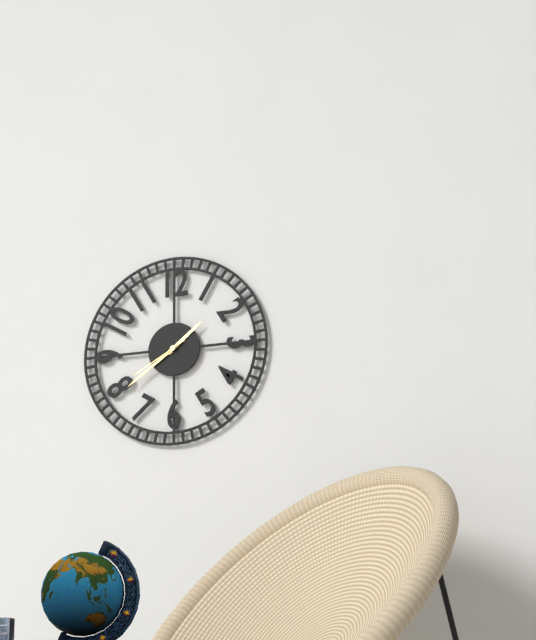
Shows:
{"hour": 1, "minute": 39, "second": 40}
